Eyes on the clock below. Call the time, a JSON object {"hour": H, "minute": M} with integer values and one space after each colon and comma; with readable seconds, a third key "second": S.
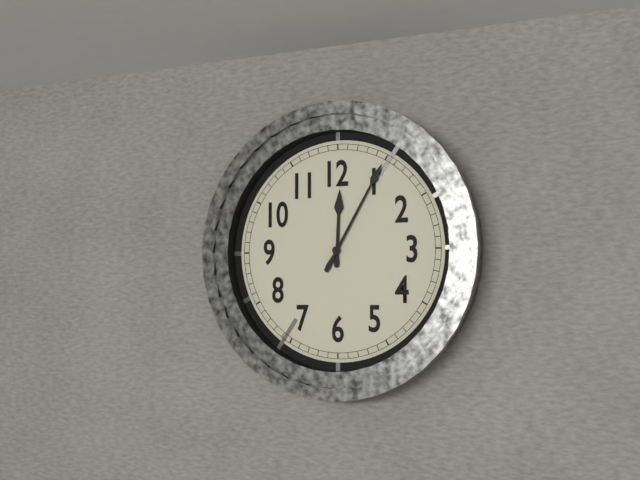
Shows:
{"hour": 12, "minute": 5}
